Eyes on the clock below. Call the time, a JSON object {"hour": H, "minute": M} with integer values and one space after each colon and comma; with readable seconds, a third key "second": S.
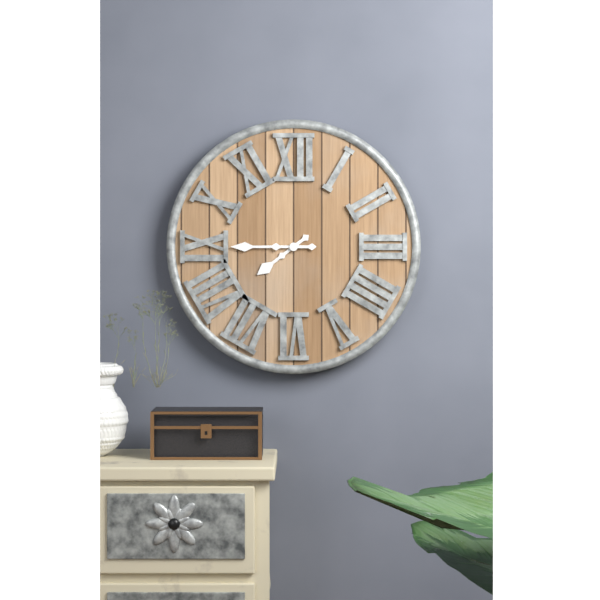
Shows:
{"hour": 7, "minute": 45}
